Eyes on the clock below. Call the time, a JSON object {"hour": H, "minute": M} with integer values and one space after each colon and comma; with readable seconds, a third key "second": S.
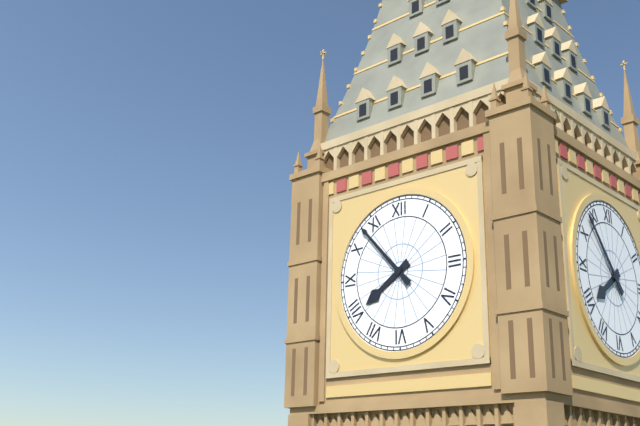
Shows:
{"hour": 7, "minute": 53}
